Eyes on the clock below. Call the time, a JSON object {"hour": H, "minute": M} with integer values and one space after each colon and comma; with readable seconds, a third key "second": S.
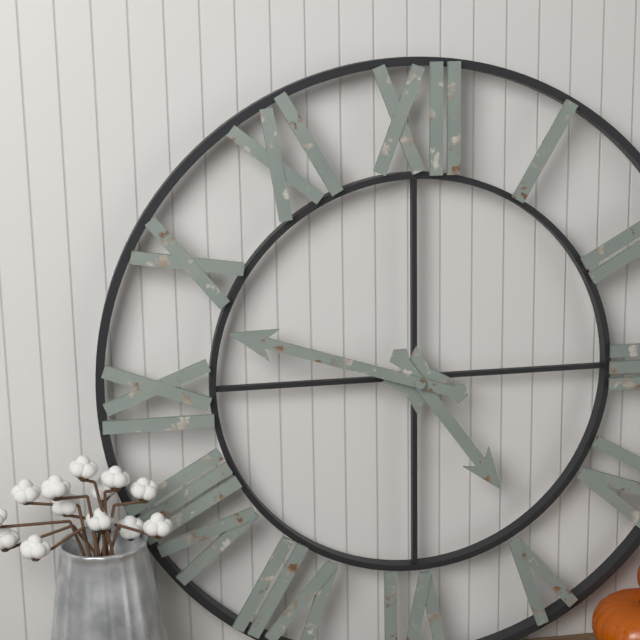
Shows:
{"hour": 4, "minute": 48}
